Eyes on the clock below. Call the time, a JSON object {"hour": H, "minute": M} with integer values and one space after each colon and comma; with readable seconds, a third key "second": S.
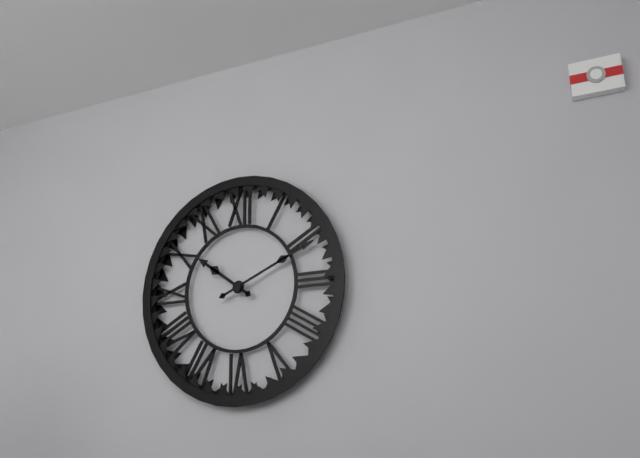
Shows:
{"hour": 10, "minute": 11}
